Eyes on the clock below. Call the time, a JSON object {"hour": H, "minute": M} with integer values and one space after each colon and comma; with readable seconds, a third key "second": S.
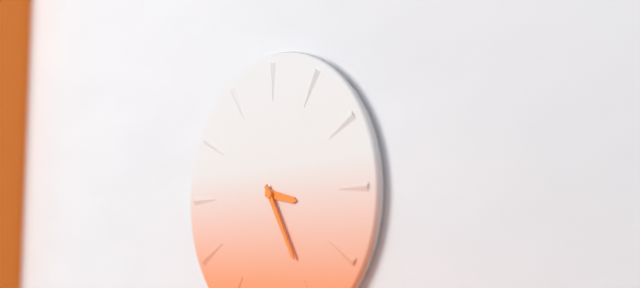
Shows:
{"hour": 3, "minute": 25}
